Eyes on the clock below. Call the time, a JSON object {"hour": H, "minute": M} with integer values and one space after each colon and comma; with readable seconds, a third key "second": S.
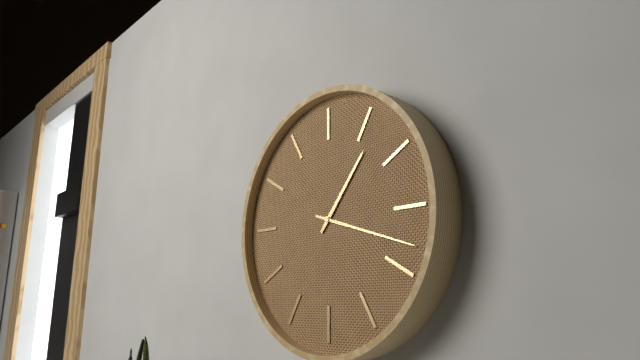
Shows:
{"hour": 1, "minute": 18}
